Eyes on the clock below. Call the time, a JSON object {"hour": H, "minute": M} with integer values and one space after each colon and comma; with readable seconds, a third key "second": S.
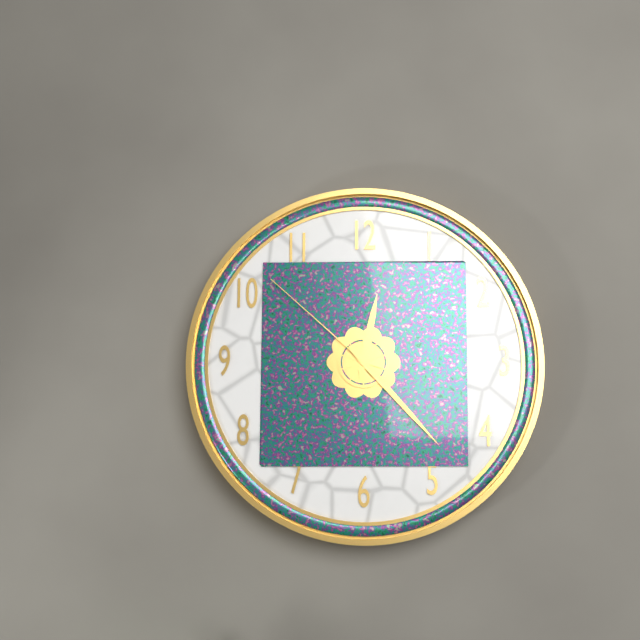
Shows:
{"hour": 12, "minute": 23, "second": 52}
